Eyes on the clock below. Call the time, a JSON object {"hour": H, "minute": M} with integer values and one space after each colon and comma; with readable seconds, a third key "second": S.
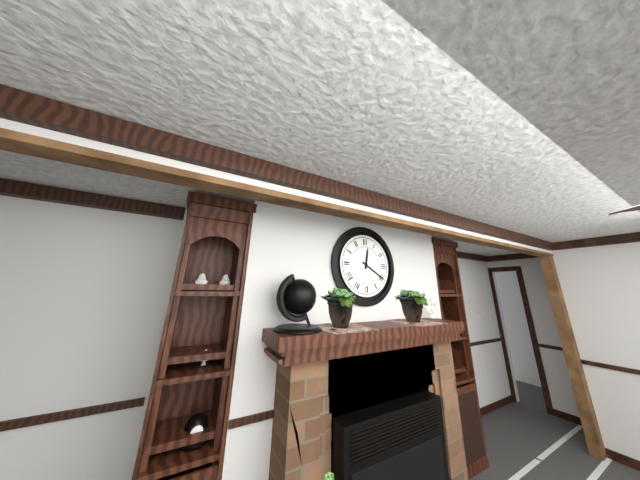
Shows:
{"hour": 12, "minute": 20}
